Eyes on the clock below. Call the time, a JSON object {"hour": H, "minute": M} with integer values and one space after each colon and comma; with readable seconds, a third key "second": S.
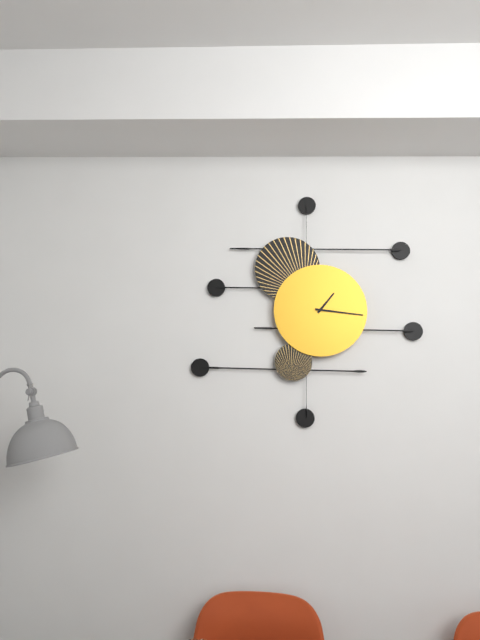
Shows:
{"hour": 1, "minute": 16}
